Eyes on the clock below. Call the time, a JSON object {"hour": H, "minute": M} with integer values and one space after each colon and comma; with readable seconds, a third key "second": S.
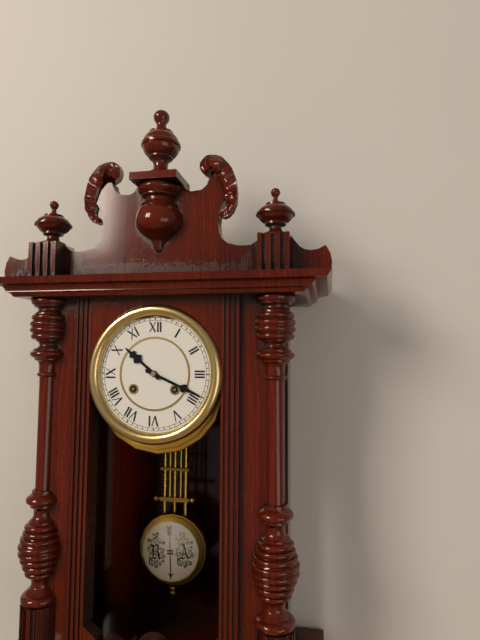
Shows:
{"hour": 10, "minute": 19}
